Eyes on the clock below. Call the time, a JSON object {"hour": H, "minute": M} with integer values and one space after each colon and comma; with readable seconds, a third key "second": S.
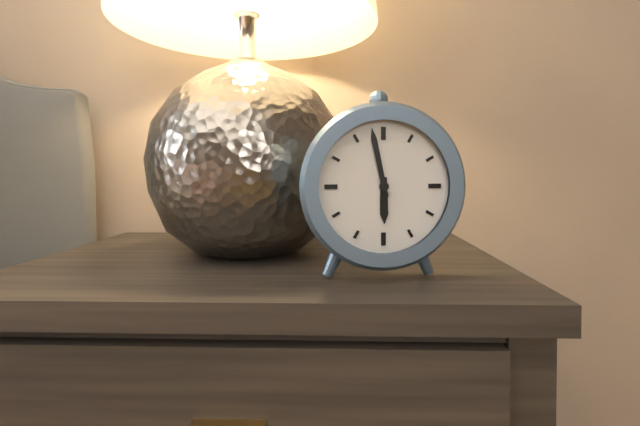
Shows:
{"hour": 5, "minute": 58}
